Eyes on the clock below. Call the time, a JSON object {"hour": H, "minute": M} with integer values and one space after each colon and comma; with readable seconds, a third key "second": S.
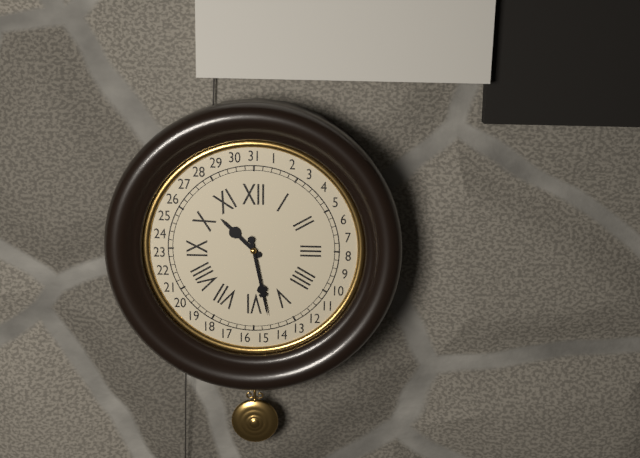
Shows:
{"hour": 10, "minute": 28}
